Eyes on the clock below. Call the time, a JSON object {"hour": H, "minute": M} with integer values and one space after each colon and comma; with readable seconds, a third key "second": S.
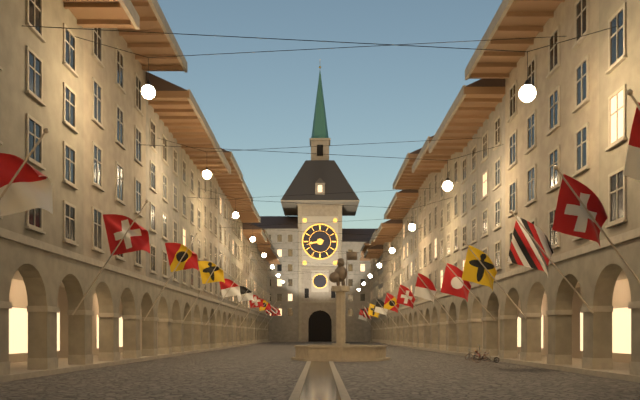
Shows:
{"hour": 8, "minute": 43}
